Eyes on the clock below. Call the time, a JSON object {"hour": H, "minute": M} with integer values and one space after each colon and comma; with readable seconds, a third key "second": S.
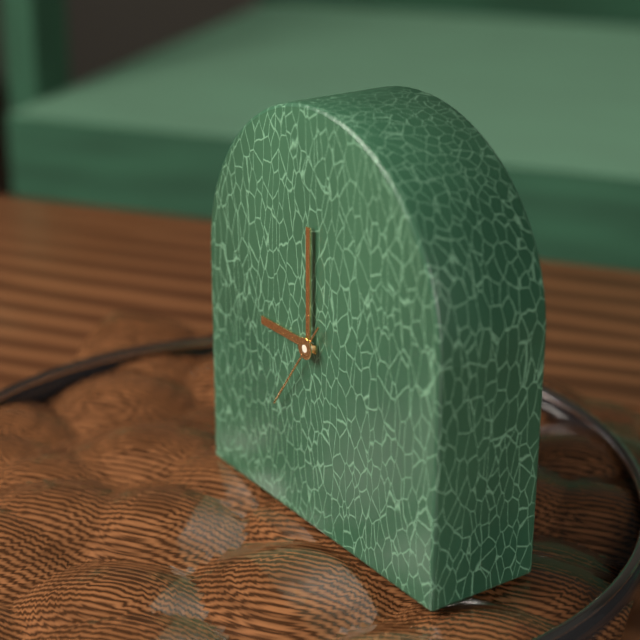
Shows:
{"hour": 9, "minute": 0, "second": 36}
